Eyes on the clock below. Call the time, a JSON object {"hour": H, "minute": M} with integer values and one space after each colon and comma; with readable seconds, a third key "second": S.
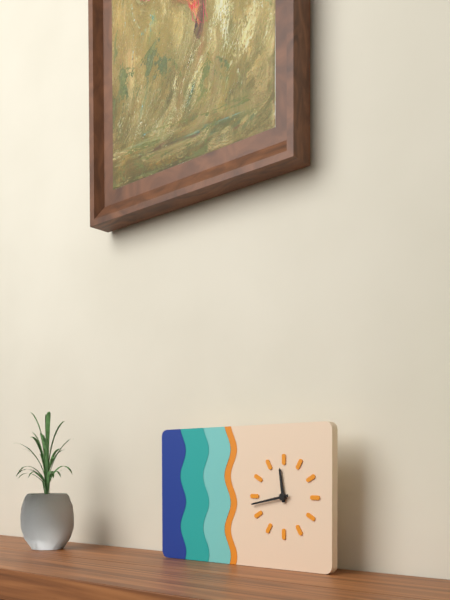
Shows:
{"hour": 11, "minute": 43}
